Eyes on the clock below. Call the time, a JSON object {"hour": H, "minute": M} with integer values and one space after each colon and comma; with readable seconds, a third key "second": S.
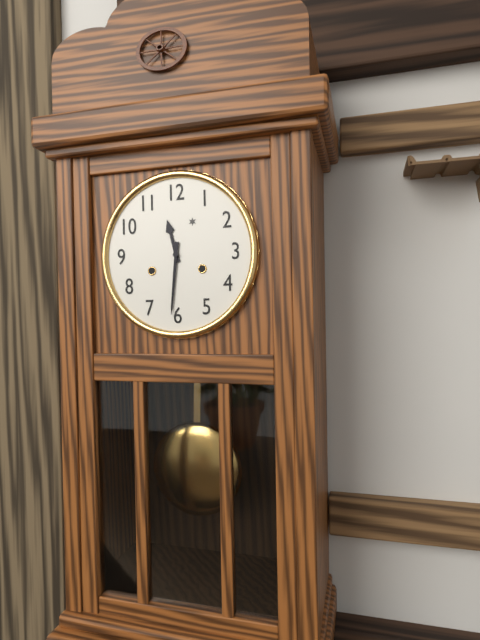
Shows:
{"hour": 11, "minute": 31}
